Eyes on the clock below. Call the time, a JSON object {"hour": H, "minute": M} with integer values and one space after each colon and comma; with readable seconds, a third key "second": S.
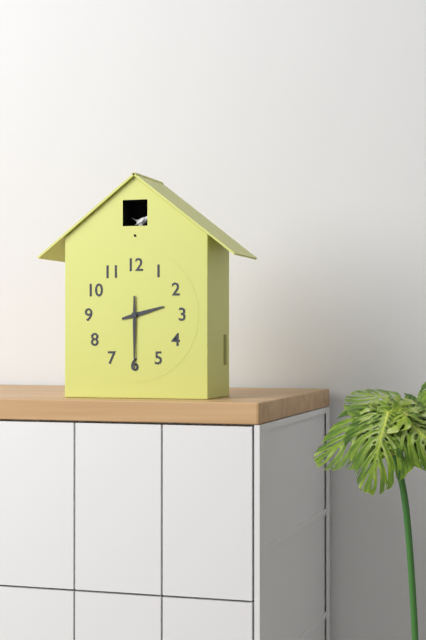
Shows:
{"hour": 2, "minute": 30}
